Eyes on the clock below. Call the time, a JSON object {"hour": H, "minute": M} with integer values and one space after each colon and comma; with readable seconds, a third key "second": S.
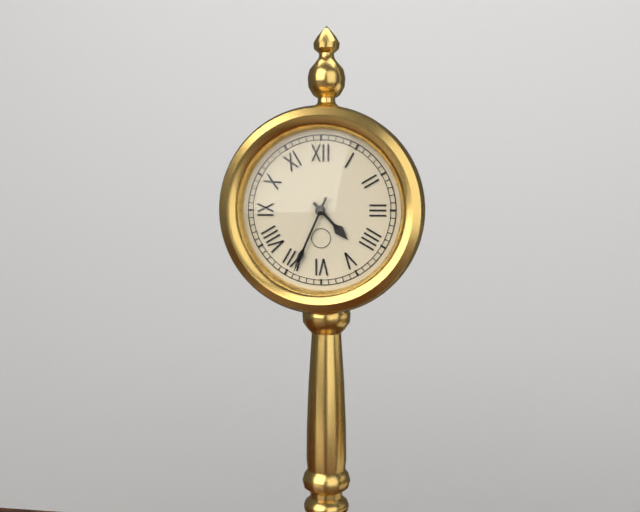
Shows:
{"hour": 4, "minute": 34}
